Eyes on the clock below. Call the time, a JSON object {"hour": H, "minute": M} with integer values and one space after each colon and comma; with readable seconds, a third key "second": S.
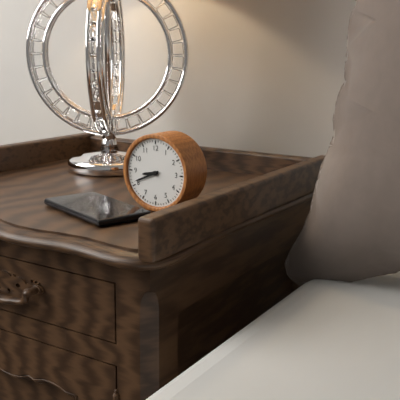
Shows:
{"hour": 8, "minute": 41}
